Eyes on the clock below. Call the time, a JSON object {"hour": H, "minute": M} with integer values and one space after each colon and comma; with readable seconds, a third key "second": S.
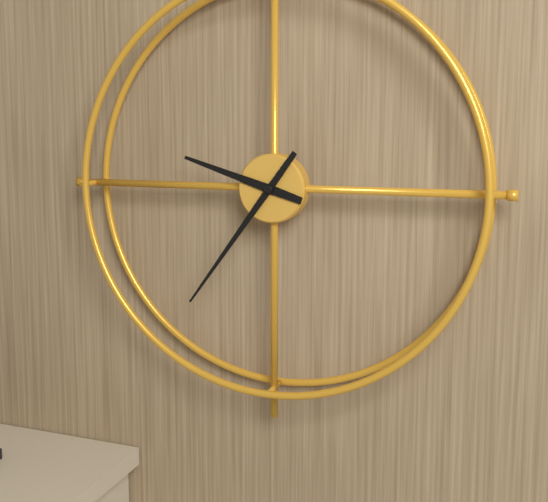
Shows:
{"hour": 9, "minute": 36}
